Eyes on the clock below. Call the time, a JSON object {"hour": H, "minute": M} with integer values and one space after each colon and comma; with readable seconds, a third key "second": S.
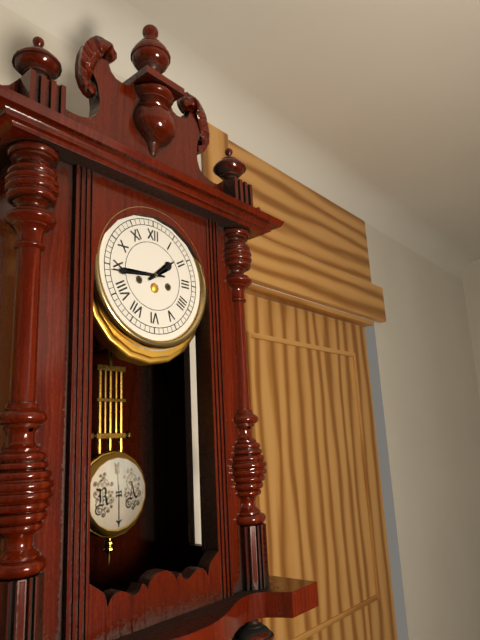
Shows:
{"hour": 1, "minute": 44}
